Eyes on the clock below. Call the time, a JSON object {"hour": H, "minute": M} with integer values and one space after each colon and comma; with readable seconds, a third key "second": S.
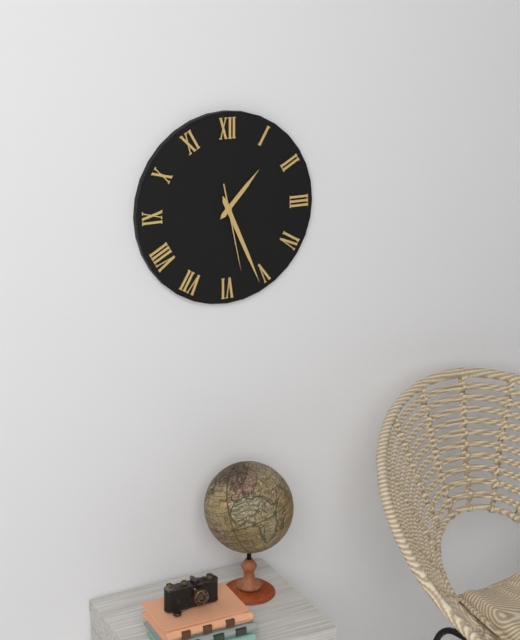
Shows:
{"hour": 1, "minute": 26, "second": 28}
